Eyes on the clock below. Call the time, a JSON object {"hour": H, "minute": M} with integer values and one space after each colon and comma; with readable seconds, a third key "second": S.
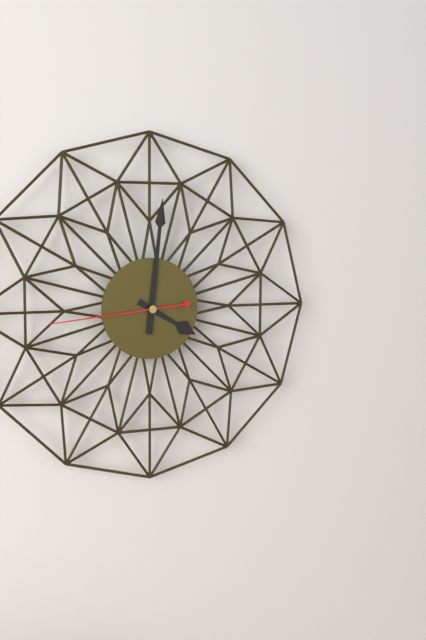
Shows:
{"hour": 4, "minute": 1, "second": 44}
